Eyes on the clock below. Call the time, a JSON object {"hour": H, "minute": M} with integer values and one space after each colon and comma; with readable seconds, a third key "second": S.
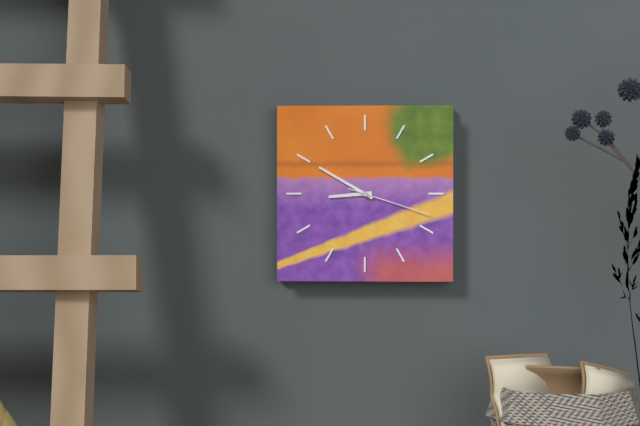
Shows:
{"hour": 8, "minute": 50, "second": 18}
